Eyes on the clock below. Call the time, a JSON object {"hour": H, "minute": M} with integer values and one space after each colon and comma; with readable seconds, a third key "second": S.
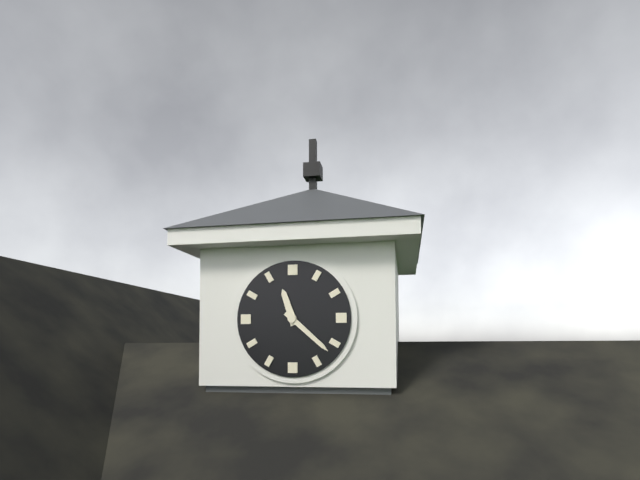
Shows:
{"hour": 11, "minute": 22}
